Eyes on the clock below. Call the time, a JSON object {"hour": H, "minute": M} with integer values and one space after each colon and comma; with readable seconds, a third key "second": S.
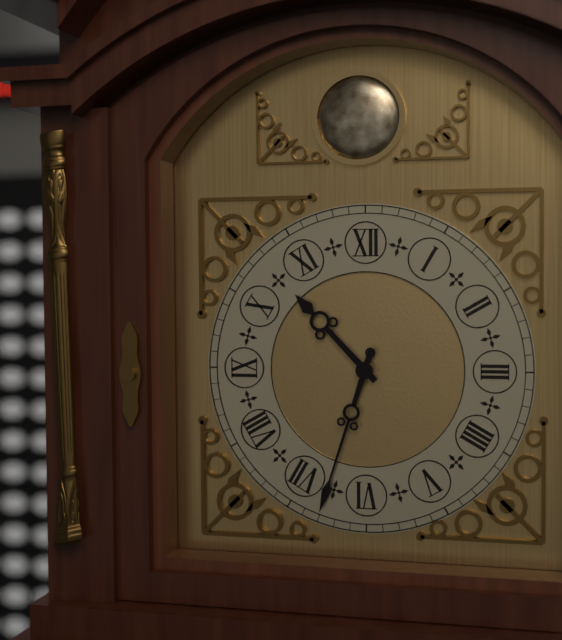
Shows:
{"hour": 10, "minute": 33}
